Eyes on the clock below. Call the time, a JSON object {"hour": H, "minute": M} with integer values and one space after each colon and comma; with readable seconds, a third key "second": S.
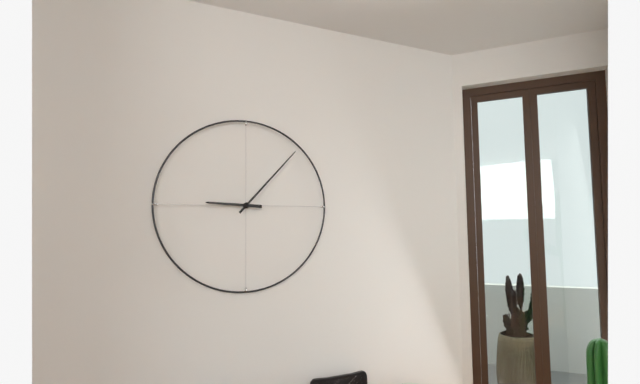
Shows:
{"hour": 9, "minute": 7}
